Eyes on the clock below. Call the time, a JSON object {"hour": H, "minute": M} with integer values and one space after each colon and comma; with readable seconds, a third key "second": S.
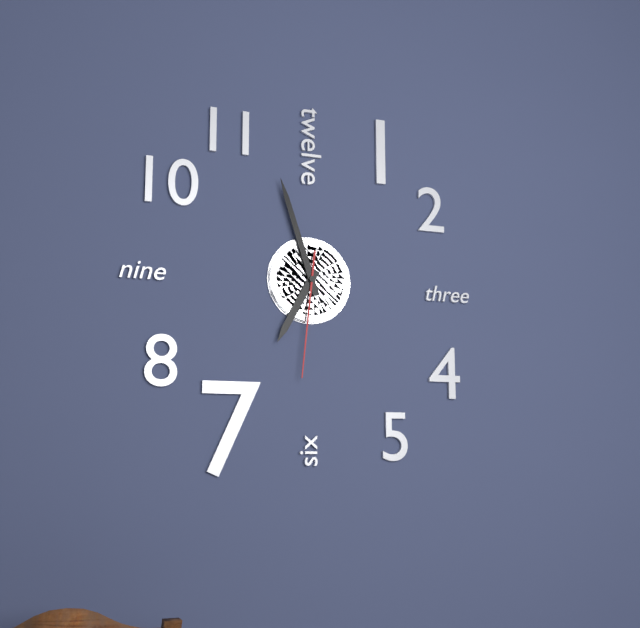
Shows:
{"hour": 6, "minute": 57, "second": 31}
